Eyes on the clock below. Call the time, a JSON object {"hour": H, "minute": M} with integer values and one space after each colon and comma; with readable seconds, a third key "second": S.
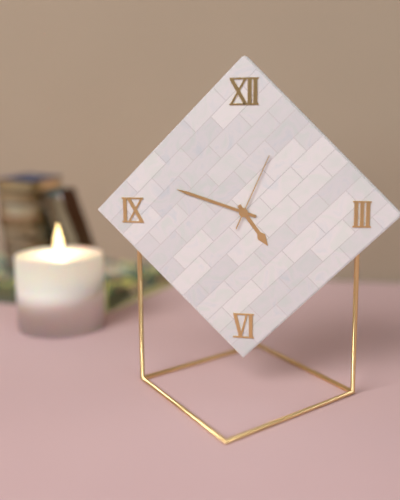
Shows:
{"hour": 4, "minute": 48, "second": 4}
